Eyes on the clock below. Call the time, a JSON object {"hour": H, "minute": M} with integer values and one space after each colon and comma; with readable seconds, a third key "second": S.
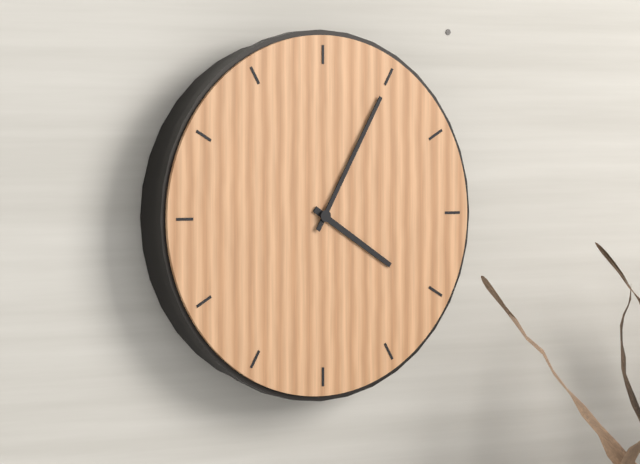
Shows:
{"hour": 4, "minute": 5}
